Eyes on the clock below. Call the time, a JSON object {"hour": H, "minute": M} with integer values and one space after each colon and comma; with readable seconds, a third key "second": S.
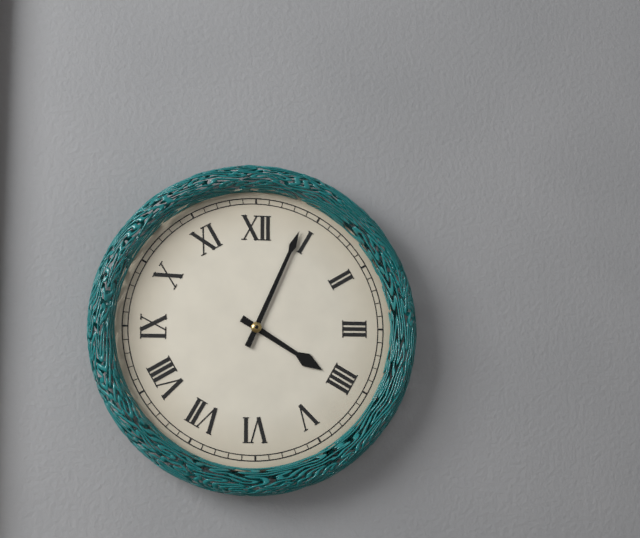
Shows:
{"hour": 4, "minute": 4}
